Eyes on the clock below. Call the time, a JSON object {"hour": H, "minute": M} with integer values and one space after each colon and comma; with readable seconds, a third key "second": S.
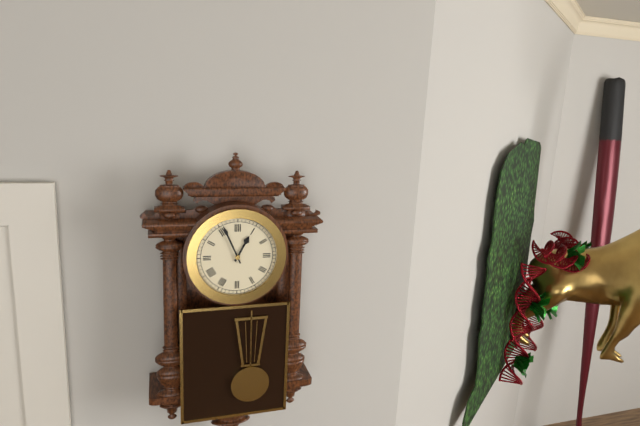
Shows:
{"hour": 12, "minute": 56}
